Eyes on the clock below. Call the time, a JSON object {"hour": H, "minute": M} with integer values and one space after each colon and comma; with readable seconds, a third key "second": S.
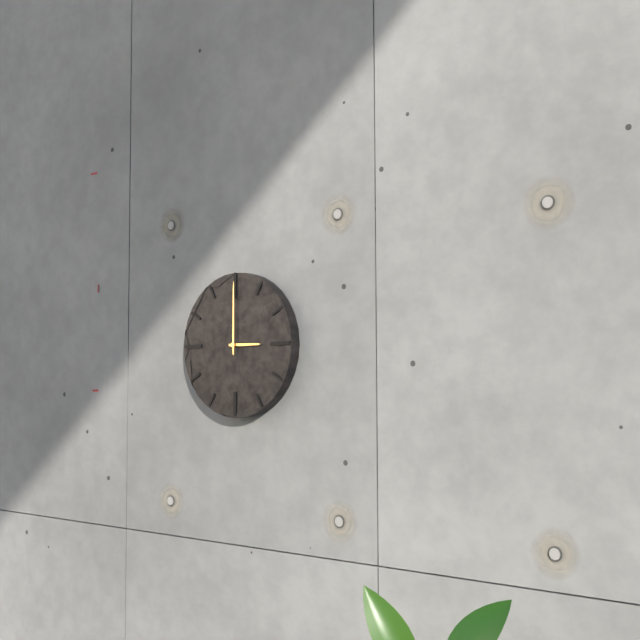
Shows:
{"hour": 3, "minute": 0}
